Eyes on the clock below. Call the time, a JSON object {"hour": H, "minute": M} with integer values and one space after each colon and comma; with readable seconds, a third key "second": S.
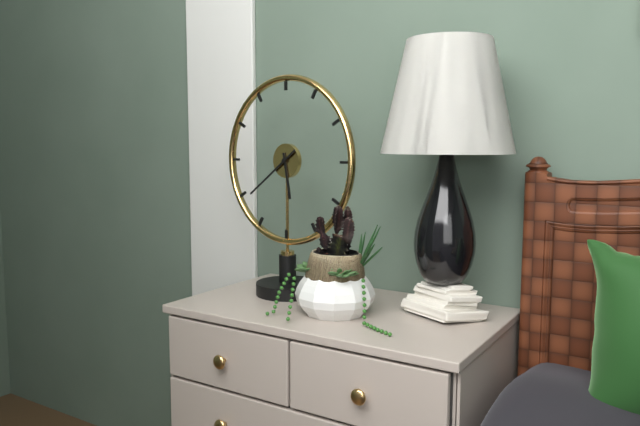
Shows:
{"hour": 5, "minute": 39}
